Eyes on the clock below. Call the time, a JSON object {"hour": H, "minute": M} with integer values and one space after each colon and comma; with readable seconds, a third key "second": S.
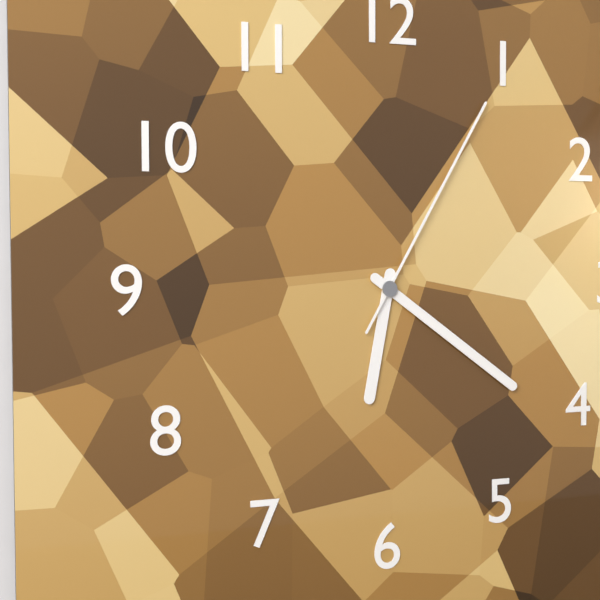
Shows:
{"hour": 6, "minute": 21, "second": 5}
